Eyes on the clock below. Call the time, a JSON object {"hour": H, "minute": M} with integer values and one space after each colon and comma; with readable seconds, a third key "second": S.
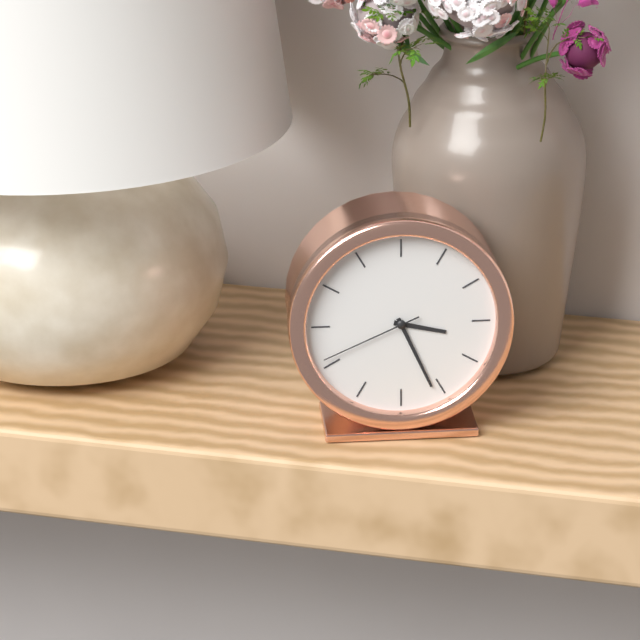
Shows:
{"hour": 3, "minute": 26, "second": 41}
